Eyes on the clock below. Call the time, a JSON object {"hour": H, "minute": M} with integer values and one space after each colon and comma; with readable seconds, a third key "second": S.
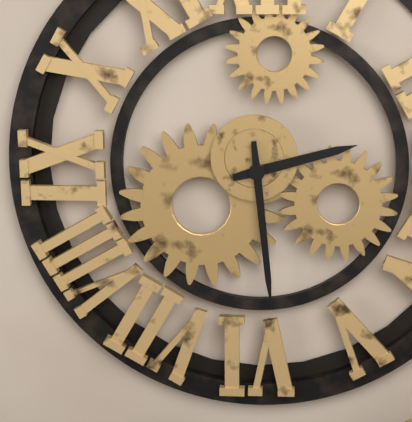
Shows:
{"hour": 2, "minute": 29}
